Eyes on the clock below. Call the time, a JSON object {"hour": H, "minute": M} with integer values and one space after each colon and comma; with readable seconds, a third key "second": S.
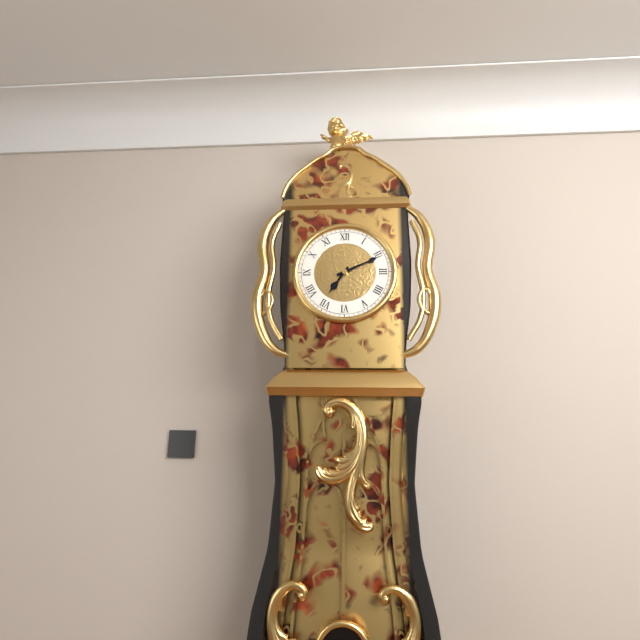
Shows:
{"hour": 7, "minute": 11}
